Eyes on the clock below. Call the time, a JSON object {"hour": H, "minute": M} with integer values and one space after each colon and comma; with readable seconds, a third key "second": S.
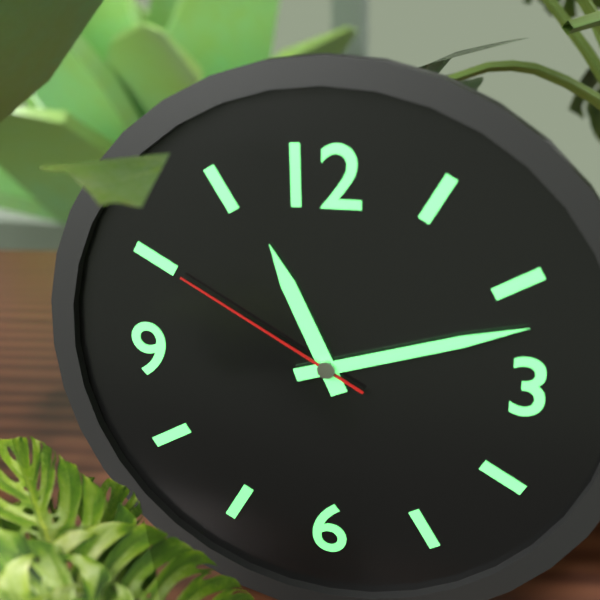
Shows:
{"hour": 11, "minute": 12, "second": 50}
